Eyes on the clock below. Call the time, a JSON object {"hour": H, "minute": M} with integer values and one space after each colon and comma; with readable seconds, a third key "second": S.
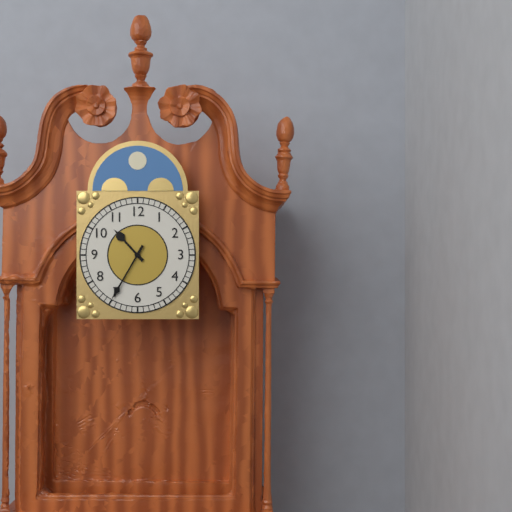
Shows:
{"hour": 10, "minute": 35}
